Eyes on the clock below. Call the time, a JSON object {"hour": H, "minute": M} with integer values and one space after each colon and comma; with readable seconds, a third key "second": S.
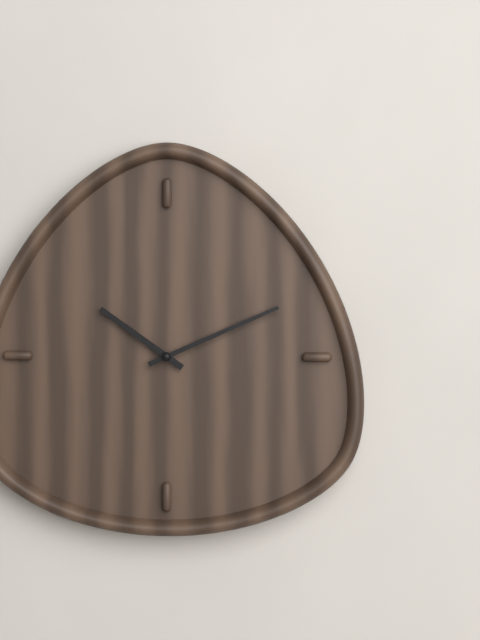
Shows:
{"hour": 10, "minute": 11}
